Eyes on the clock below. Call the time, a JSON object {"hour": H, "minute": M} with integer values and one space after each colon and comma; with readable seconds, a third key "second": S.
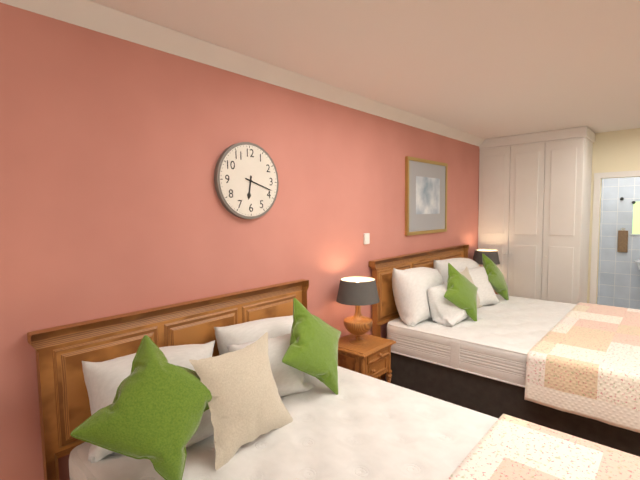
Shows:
{"hour": 6, "minute": 18}
